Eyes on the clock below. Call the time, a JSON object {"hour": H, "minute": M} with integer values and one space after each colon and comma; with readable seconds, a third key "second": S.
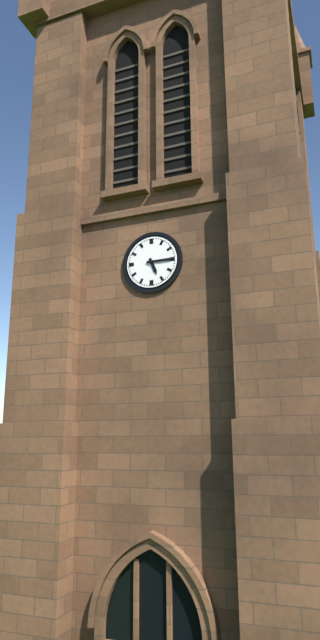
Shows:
{"hour": 5, "minute": 15}
